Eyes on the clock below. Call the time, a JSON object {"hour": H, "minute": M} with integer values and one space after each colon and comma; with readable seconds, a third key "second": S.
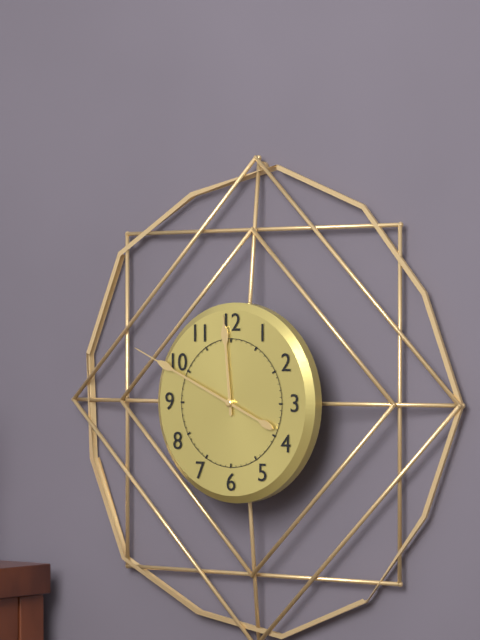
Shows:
{"hour": 11, "minute": 49}
